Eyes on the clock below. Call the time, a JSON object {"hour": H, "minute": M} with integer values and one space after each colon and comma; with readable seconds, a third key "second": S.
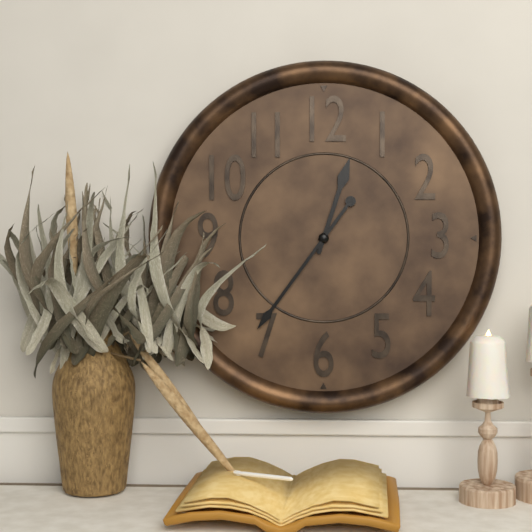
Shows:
{"hour": 12, "minute": 36}
